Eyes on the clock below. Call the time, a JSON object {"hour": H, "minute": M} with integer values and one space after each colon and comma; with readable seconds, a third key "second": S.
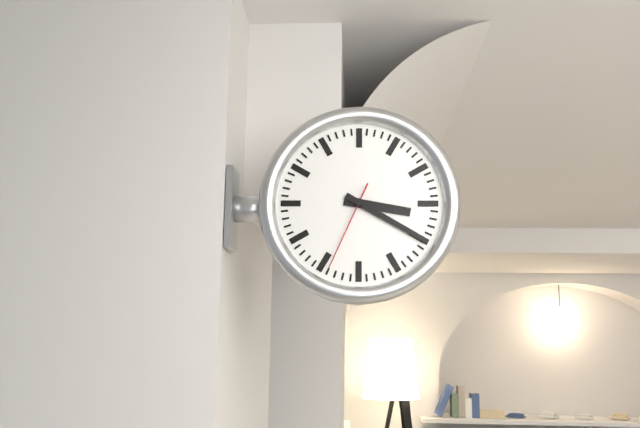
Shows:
{"hour": 3, "minute": 20, "second": 34}
